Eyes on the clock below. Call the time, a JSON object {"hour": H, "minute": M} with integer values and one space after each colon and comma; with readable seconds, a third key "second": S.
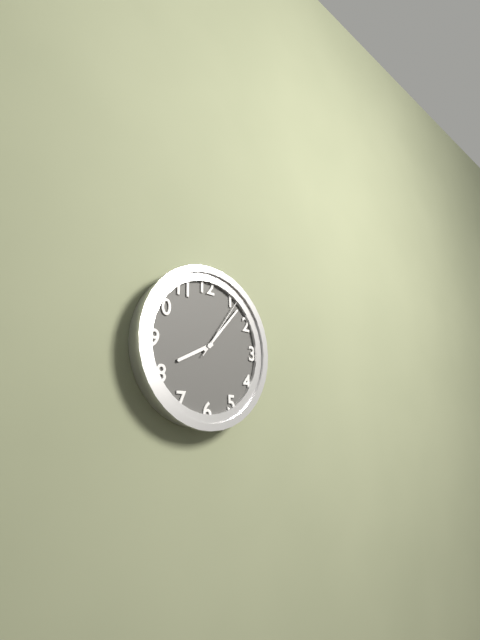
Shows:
{"hour": 8, "minute": 7, "second": 6}
